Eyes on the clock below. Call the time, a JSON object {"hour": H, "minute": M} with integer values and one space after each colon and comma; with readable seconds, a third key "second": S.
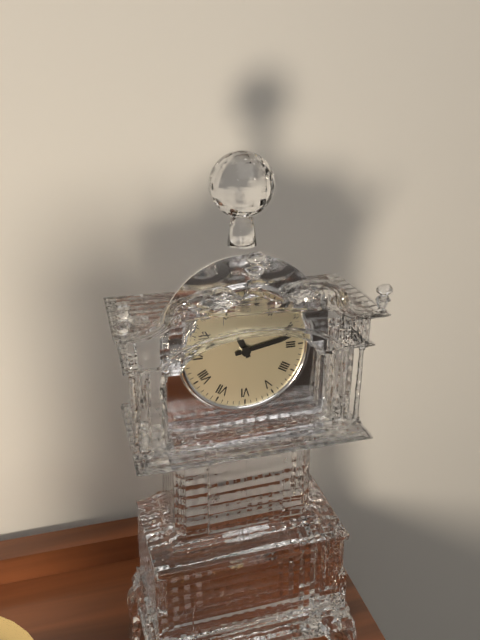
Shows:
{"hour": 11, "minute": 13}
